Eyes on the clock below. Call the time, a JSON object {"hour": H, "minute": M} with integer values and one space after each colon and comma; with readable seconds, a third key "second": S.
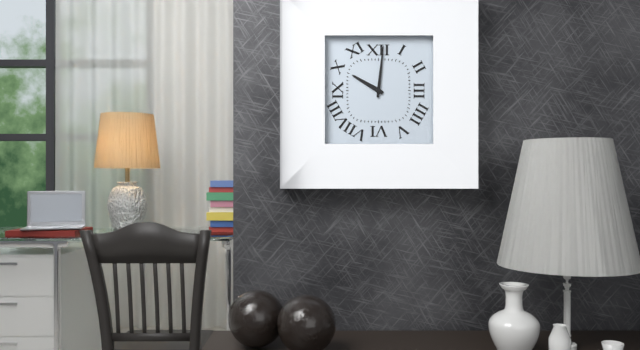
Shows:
{"hour": 10, "minute": 1}
